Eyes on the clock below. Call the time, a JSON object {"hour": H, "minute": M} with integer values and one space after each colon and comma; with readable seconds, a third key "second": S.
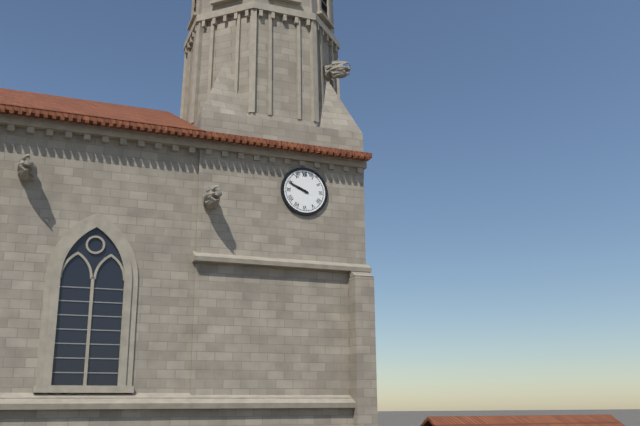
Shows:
{"hour": 9, "minute": 49}
